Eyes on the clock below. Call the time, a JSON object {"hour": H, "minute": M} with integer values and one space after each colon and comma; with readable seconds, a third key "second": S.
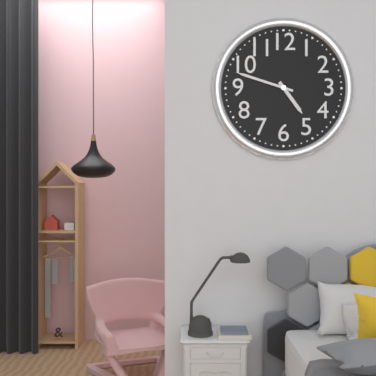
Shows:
{"hour": 4, "minute": 48}
